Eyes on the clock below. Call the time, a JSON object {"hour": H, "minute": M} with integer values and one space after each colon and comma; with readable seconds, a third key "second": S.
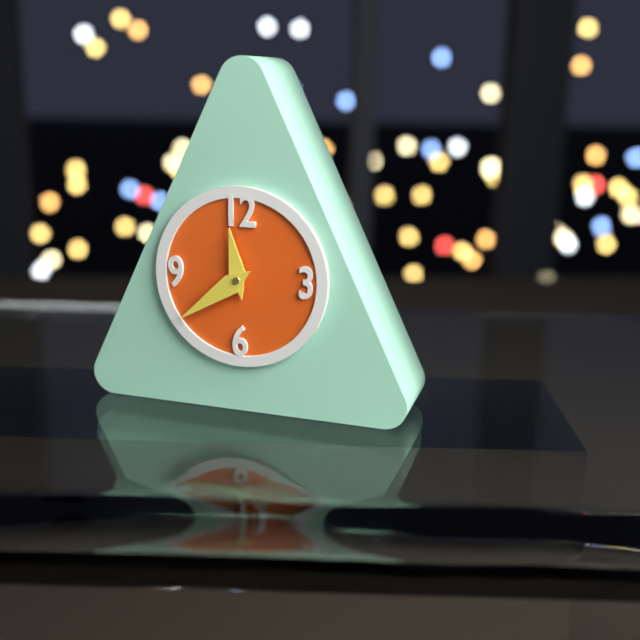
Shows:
{"hour": 11, "minute": 39}
